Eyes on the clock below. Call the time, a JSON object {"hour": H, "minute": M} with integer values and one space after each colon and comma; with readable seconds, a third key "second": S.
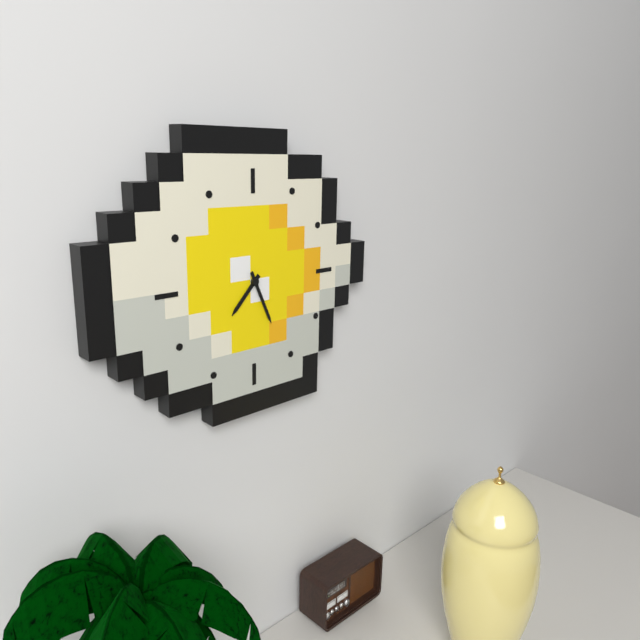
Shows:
{"hour": 7, "minute": 26}
